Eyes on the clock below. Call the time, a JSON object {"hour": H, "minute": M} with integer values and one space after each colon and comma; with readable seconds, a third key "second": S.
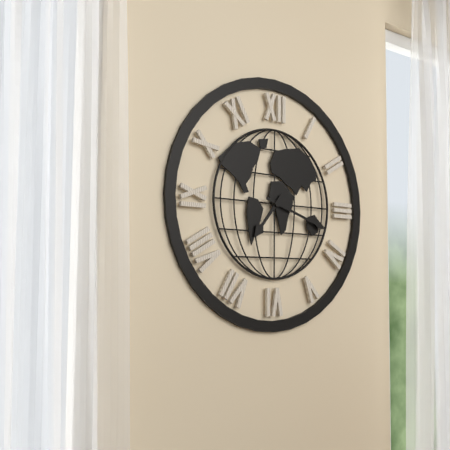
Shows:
{"hour": 7, "minute": 18}
